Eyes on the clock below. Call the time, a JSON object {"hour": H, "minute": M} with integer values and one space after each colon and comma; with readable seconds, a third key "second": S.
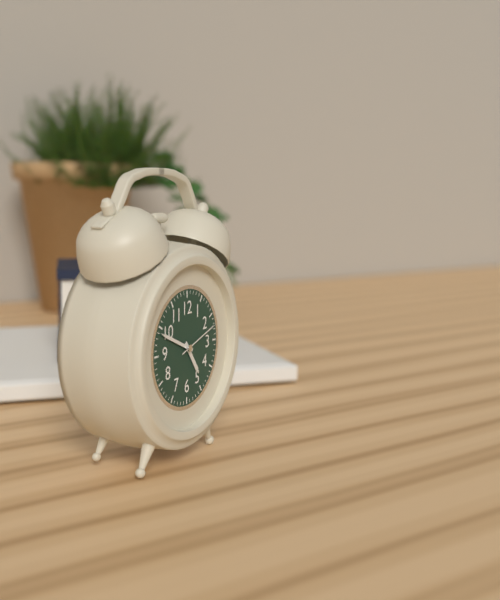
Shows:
{"hour": 4, "minute": 49}
